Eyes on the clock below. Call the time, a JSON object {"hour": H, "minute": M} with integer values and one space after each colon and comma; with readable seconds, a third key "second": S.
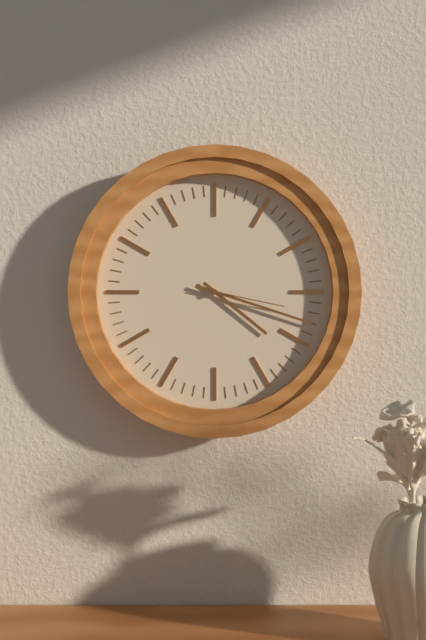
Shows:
{"hour": 4, "minute": 18, "second": 17}
